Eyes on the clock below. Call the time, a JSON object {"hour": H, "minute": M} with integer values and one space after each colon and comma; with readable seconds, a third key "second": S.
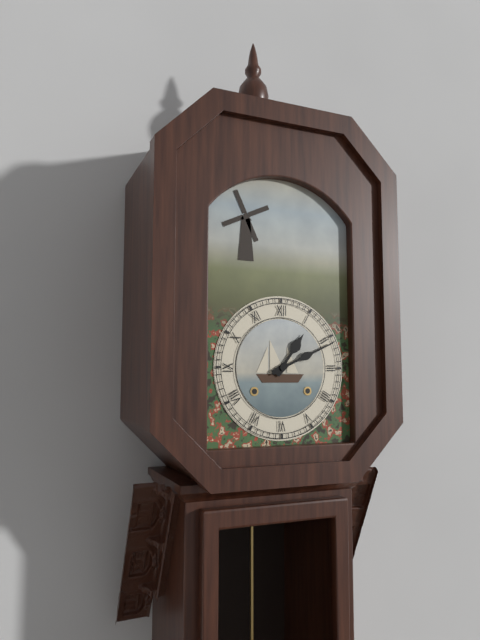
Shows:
{"hour": 1, "minute": 11}
